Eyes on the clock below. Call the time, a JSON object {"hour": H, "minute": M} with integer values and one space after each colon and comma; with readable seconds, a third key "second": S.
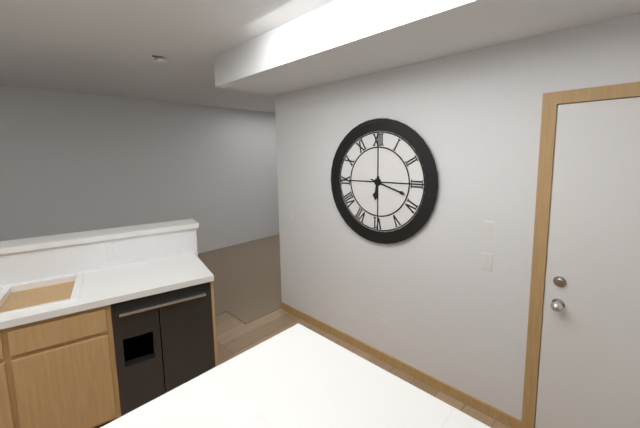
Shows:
{"hour": 6, "minute": 18}
